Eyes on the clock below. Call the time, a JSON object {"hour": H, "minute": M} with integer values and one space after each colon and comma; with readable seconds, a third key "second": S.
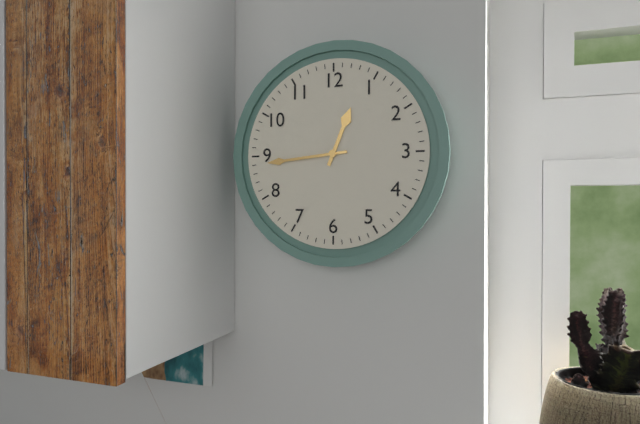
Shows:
{"hour": 12, "minute": 44}
